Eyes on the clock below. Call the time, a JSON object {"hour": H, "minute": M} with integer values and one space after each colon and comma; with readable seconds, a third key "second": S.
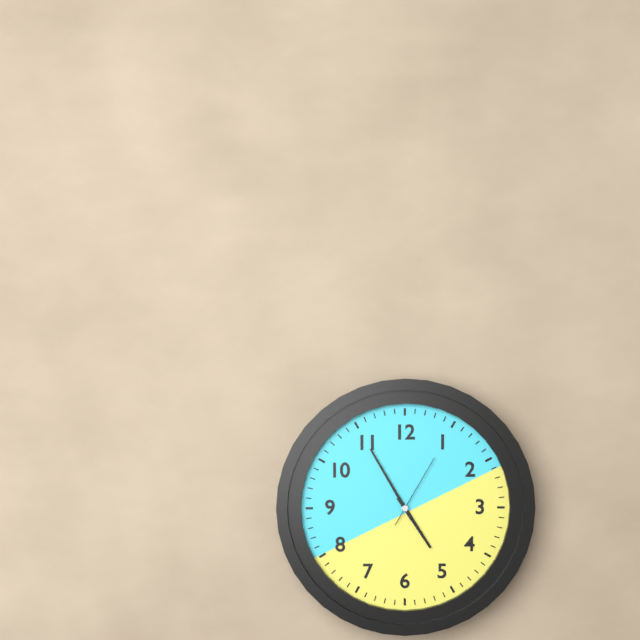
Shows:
{"hour": 4, "minute": 55, "second": 5}
